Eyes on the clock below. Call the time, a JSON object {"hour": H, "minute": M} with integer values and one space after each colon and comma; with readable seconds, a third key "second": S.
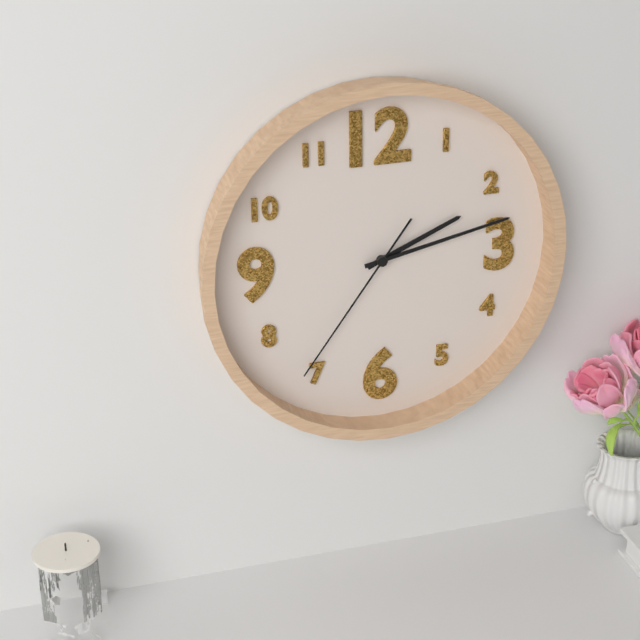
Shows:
{"hour": 2, "minute": 13, "second": 36}
